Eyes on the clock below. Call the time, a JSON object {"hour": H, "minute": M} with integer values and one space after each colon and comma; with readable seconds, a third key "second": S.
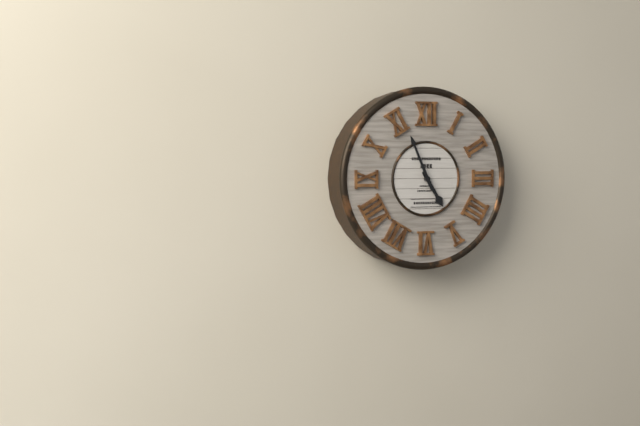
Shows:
{"hour": 4, "minute": 56}
